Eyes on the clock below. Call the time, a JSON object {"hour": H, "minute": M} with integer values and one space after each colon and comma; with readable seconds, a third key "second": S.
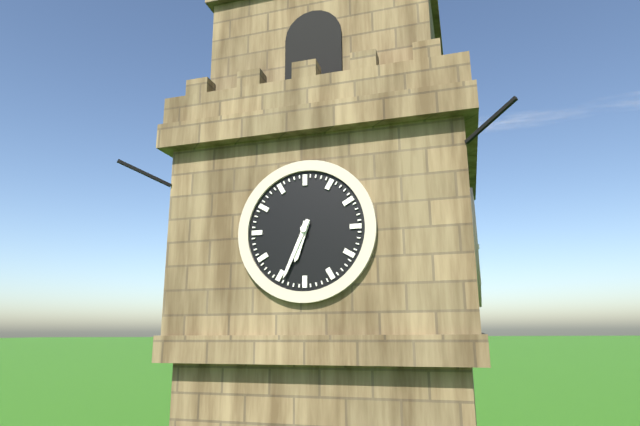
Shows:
{"hour": 6, "minute": 34}
